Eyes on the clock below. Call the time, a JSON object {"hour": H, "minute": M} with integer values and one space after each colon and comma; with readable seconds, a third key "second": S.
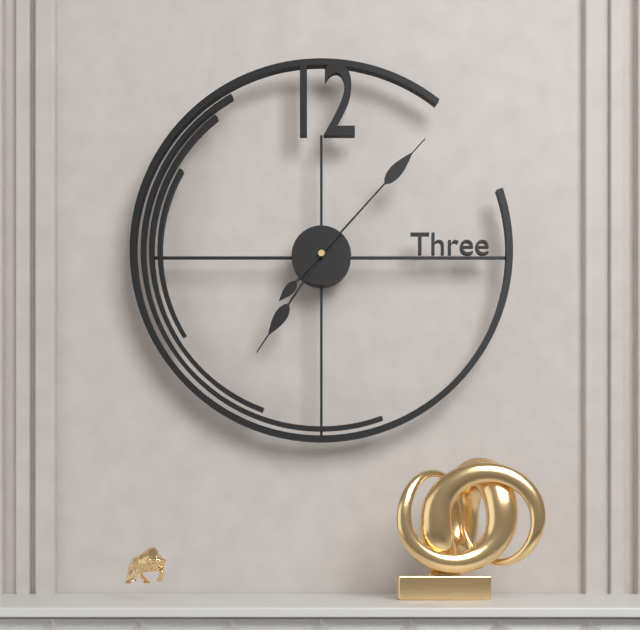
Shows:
{"hour": 7, "minute": 7}
